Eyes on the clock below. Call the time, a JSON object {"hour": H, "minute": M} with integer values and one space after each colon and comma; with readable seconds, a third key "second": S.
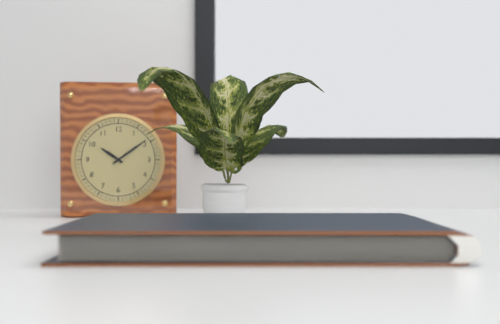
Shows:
{"hour": 10, "minute": 9}
